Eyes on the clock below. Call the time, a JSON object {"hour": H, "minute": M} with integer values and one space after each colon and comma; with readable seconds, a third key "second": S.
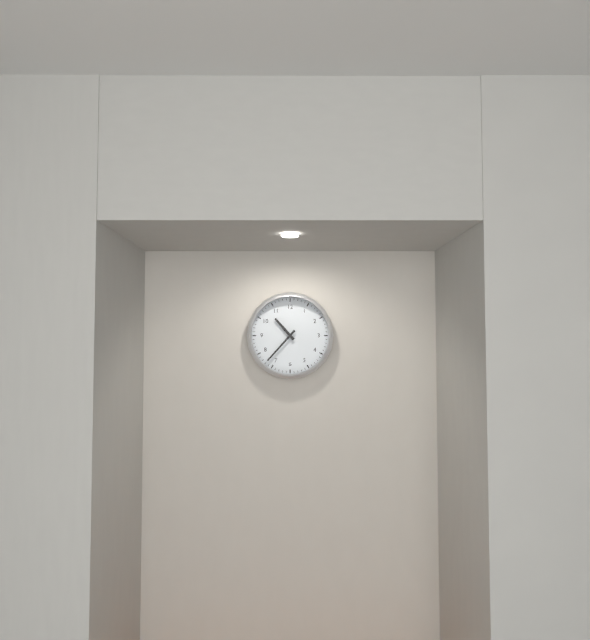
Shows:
{"hour": 10, "minute": 37}
